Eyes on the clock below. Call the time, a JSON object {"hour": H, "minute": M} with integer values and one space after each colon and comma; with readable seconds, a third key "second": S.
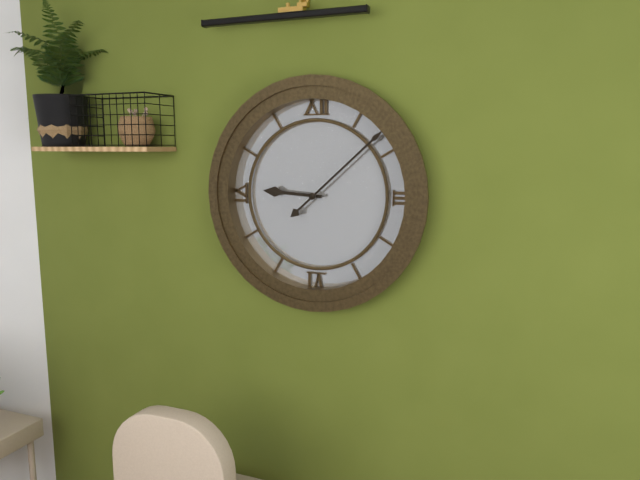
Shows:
{"hour": 9, "minute": 8}
